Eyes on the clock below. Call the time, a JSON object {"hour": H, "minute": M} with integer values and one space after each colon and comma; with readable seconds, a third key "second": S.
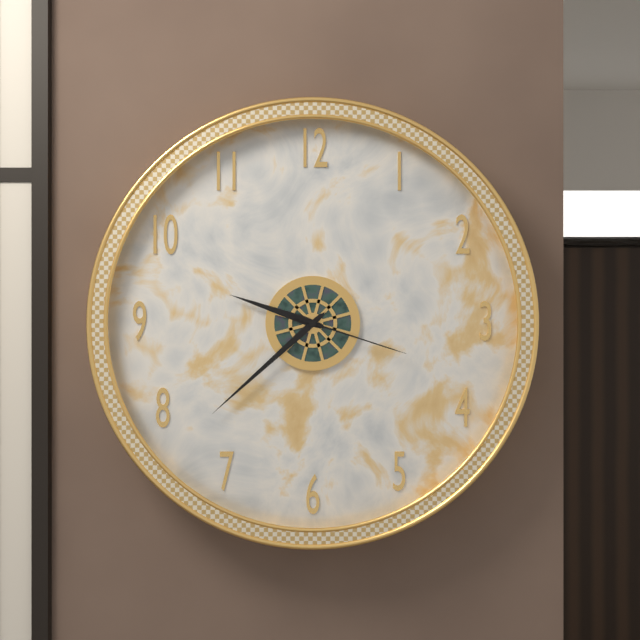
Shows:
{"hour": 9, "minute": 38, "second": 18}
